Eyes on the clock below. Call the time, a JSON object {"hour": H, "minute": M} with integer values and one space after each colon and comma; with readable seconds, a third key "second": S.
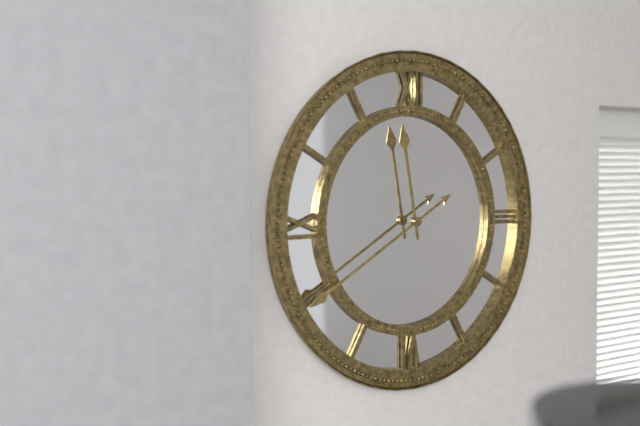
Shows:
{"hour": 11, "minute": 40}
